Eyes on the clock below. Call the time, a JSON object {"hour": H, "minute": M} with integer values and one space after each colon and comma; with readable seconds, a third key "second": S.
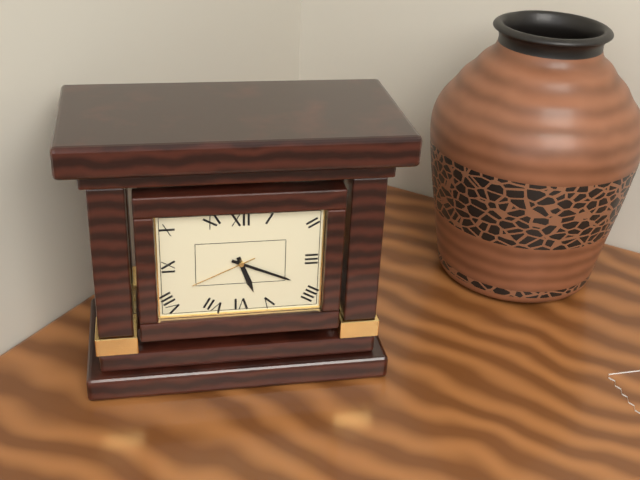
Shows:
{"hour": 5, "minute": 19, "second": 41}
